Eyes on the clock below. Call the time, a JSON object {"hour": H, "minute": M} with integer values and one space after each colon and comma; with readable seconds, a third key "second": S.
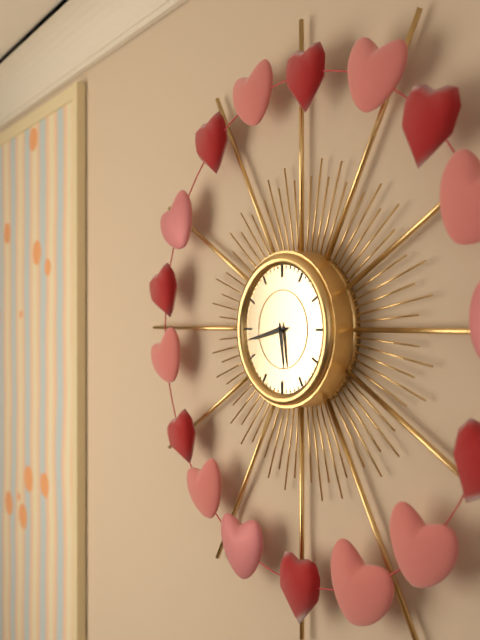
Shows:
{"hour": 5, "minute": 43}
